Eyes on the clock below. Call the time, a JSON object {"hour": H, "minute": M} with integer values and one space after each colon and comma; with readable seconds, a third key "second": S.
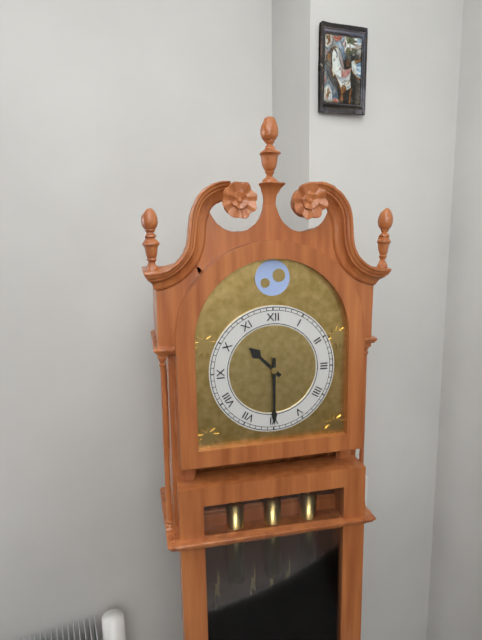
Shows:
{"hour": 10, "minute": 30}
